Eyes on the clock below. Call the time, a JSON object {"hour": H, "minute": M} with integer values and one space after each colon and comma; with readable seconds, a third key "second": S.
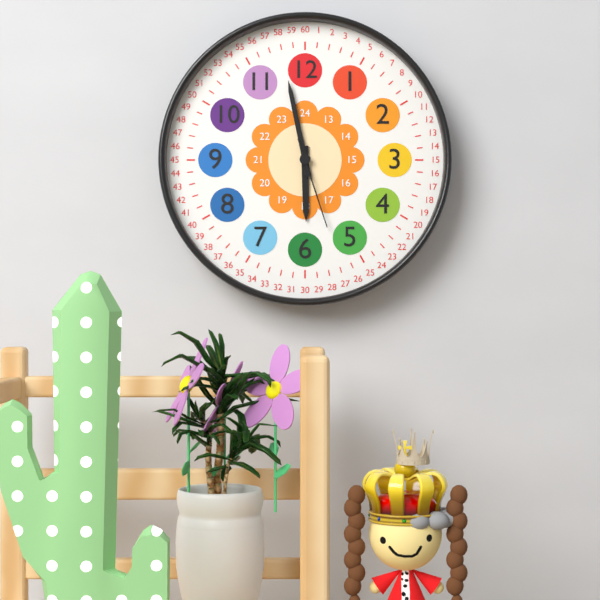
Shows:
{"hour": 5, "minute": 58, "second": 27}
